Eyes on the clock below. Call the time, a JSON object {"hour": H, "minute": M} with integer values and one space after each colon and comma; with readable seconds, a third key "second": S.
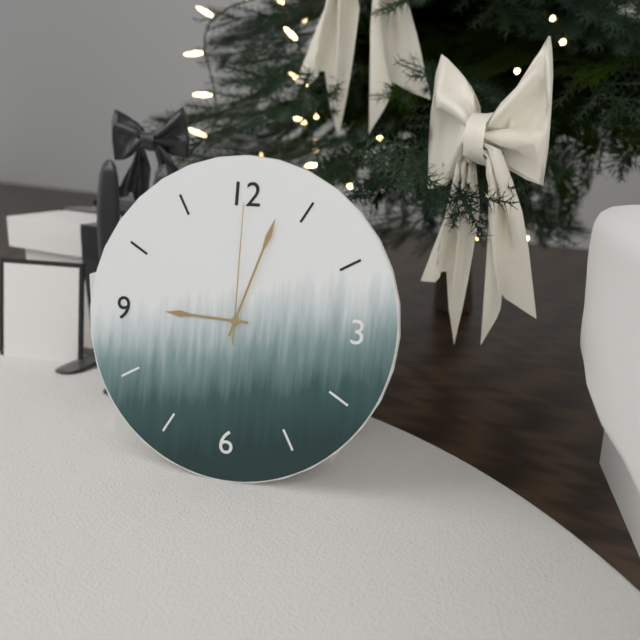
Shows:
{"hour": 9, "minute": 3, "second": 0}
